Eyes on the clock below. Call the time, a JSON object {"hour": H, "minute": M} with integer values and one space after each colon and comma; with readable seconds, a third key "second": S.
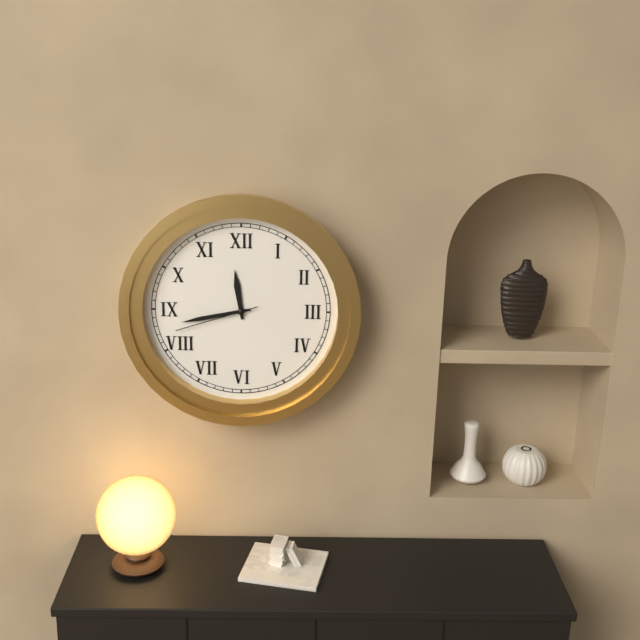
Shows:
{"hour": 11, "minute": 43, "second": 42}
